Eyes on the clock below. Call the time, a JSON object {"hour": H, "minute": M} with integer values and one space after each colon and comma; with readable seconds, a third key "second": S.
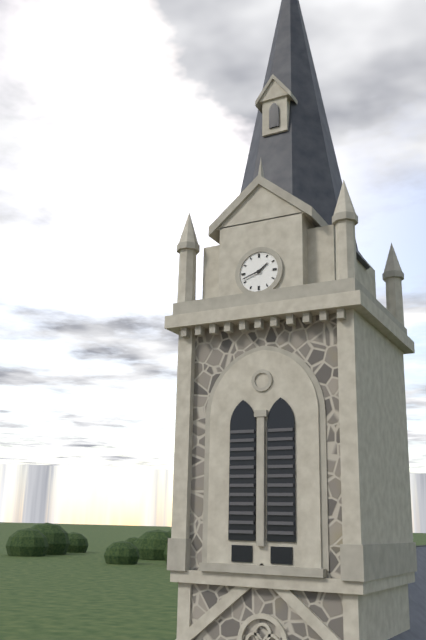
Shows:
{"hour": 1, "minute": 42}
